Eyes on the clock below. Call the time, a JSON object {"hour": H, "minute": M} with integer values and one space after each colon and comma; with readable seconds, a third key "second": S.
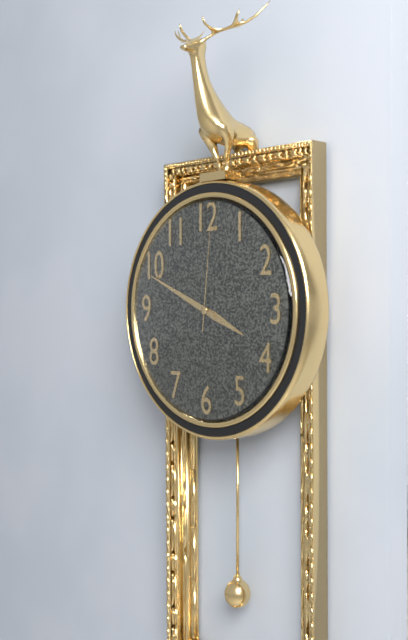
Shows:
{"hour": 3, "minute": 49, "second": 1}
